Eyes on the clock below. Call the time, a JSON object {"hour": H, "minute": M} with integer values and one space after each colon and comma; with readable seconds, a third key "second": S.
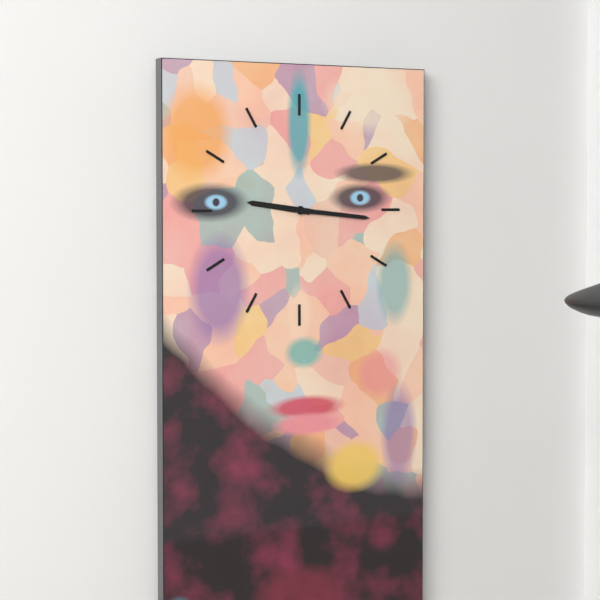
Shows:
{"hour": 9, "minute": 16}
